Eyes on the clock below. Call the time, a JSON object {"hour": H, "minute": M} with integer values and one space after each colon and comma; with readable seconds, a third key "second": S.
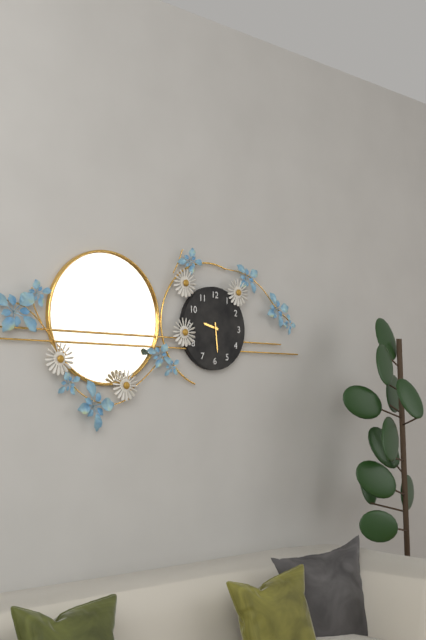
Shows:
{"hour": 9, "minute": 29}
